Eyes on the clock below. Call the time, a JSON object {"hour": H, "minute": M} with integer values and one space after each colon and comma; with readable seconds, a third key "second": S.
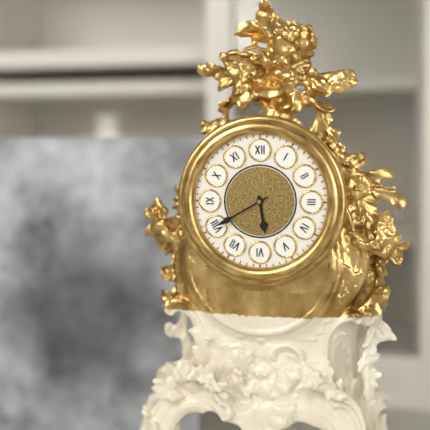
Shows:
{"hour": 5, "minute": 40}
